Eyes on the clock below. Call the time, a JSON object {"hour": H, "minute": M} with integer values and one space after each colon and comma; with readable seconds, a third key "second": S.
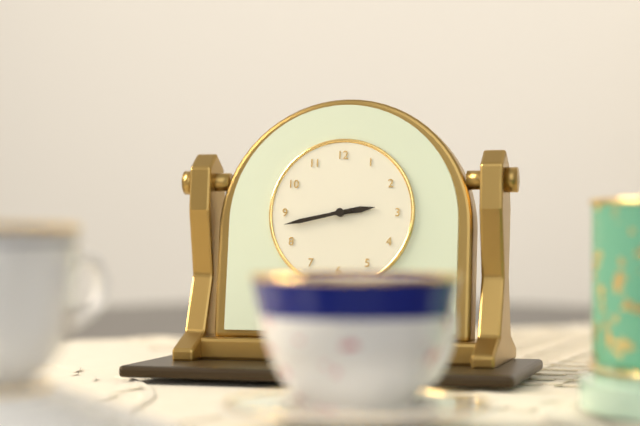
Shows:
{"hour": 2, "minute": 43}
